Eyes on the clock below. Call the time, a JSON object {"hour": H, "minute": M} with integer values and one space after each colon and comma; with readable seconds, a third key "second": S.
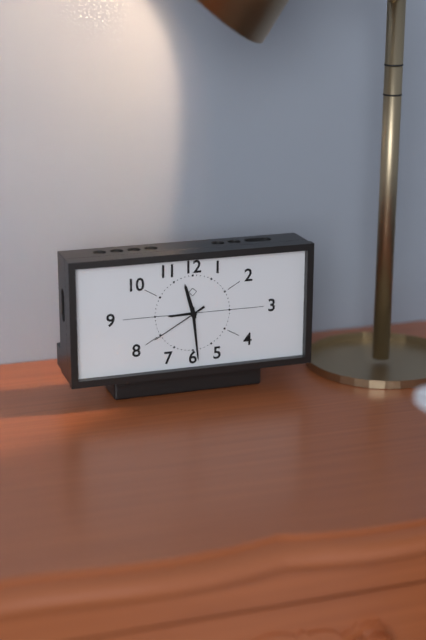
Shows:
{"hour": 11, "minute": 29, "second": 40}
